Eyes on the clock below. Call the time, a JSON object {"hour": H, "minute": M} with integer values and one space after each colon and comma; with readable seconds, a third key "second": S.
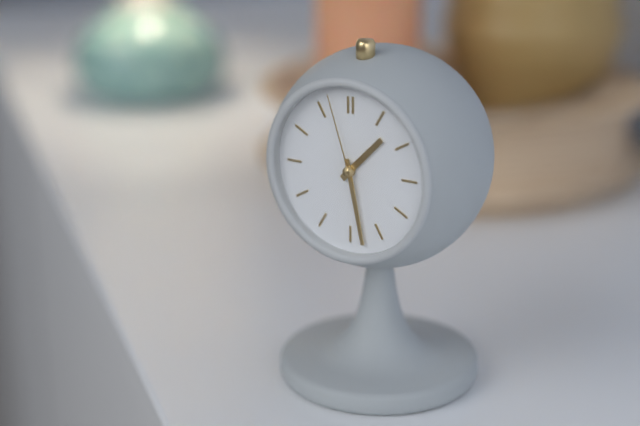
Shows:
{"hour": 1, "minute": 28, "second": 57}
